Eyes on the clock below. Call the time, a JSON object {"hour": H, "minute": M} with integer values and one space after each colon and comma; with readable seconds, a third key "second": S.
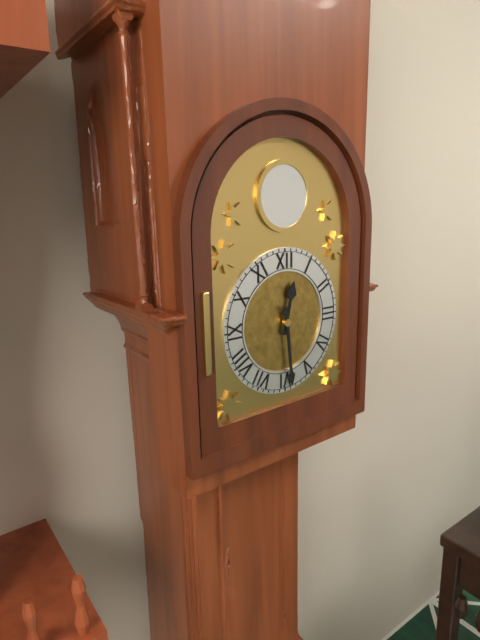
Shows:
{"hour": 12, "minute": 29}
